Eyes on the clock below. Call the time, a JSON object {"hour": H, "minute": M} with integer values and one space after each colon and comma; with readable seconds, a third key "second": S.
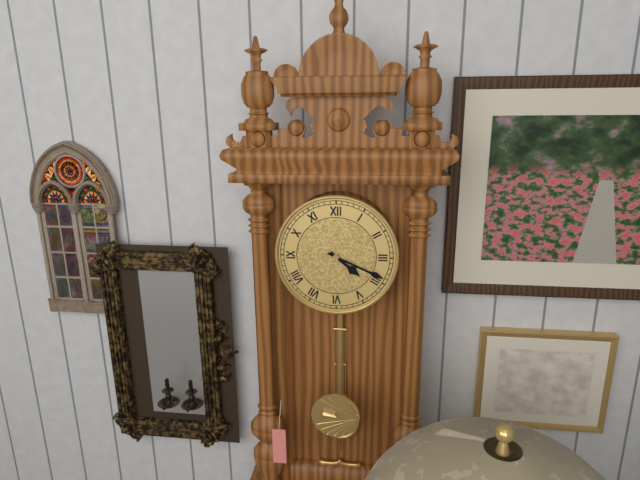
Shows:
{"hour": 4, "minute": 19}
